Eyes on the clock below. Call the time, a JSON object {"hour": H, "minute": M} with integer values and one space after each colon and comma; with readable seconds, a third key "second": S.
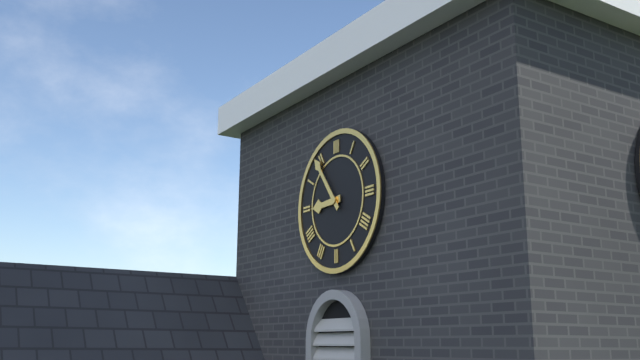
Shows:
{"hour": 8, "minute": 54}
